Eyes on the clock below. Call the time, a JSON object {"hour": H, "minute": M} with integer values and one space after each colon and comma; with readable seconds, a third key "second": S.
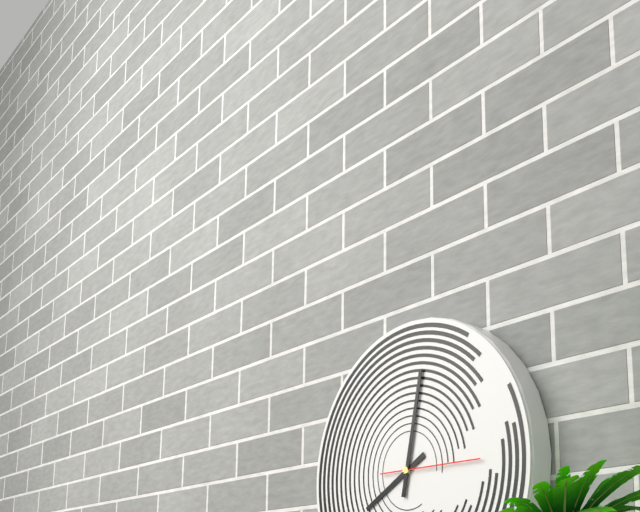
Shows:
{"hour": 8, "minute": 2, "second": 15}
